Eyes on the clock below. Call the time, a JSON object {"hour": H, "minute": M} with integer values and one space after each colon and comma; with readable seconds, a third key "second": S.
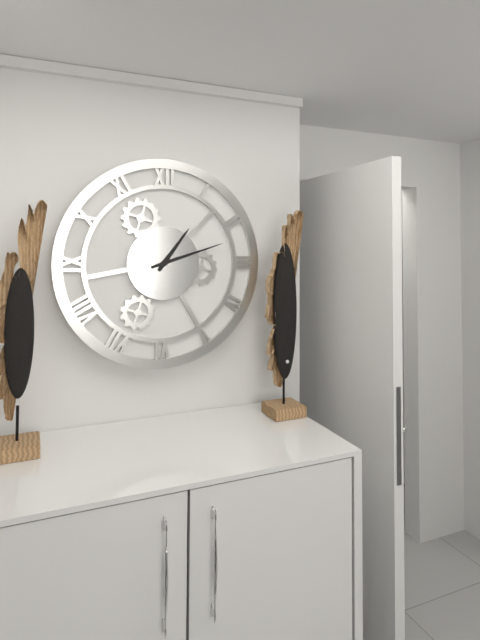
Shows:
{"hour": 1, "minute": 12}
